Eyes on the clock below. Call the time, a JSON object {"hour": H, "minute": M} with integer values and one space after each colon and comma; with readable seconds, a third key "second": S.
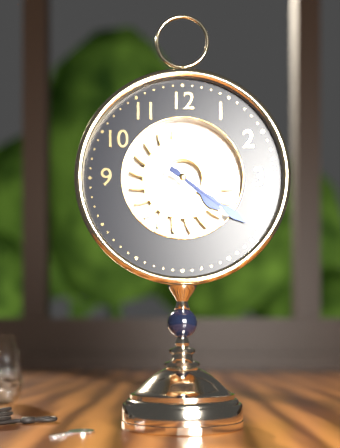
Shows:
{"hour": 4, "minute": 21}
